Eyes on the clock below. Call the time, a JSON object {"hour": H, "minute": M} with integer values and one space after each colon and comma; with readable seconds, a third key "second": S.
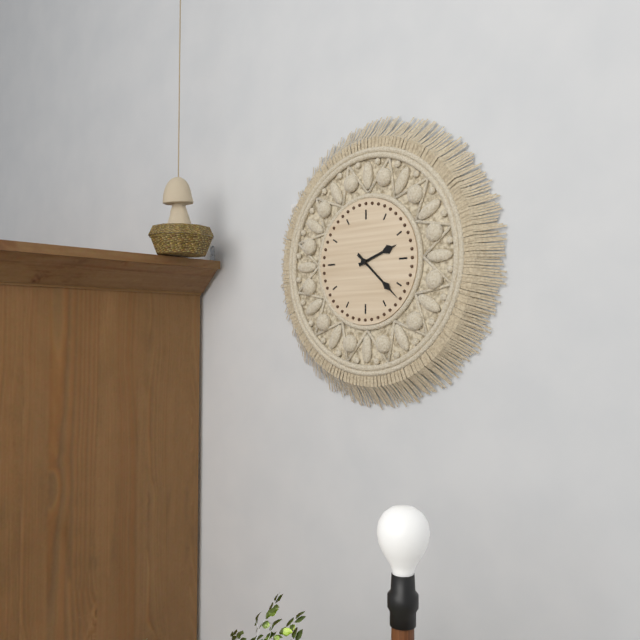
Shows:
{"hour": 2, "minute": 22}
